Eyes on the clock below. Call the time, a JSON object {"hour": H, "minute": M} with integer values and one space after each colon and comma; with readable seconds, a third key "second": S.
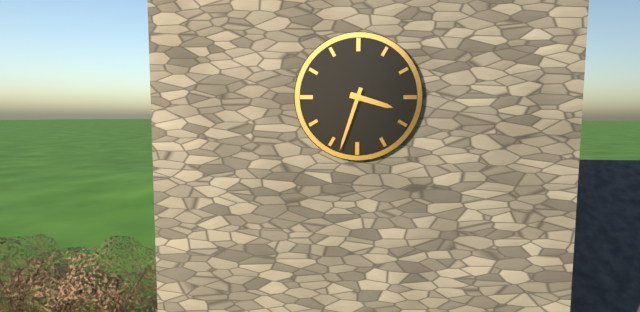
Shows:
{"hour": 3, "minute": 33}
